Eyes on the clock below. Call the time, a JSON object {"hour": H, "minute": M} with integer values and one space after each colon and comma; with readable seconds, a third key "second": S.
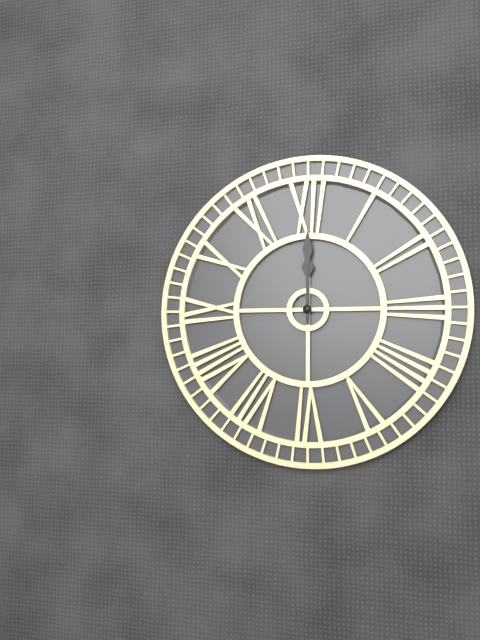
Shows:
{"hour": 12, "minute": 0}
